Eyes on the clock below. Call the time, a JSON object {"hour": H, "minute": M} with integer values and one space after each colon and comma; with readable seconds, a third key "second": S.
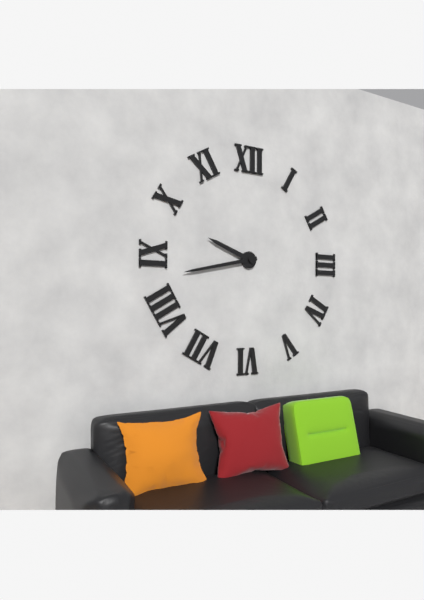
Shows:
{"hour": 9, "minute": 43}
